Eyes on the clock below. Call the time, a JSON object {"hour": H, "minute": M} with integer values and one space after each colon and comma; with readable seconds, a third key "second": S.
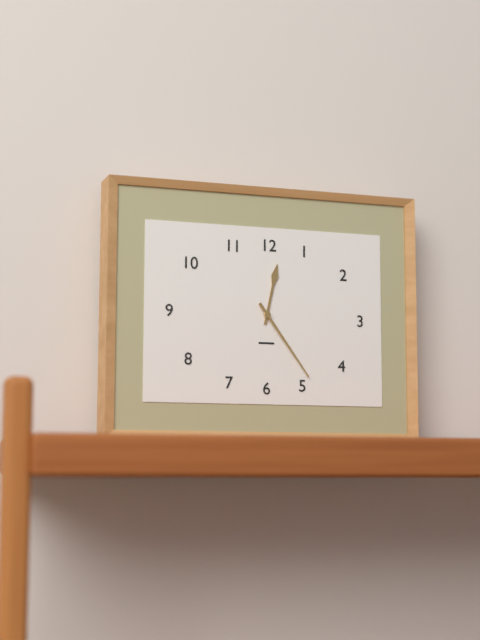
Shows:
{"hour": 12, "minute": 24}
